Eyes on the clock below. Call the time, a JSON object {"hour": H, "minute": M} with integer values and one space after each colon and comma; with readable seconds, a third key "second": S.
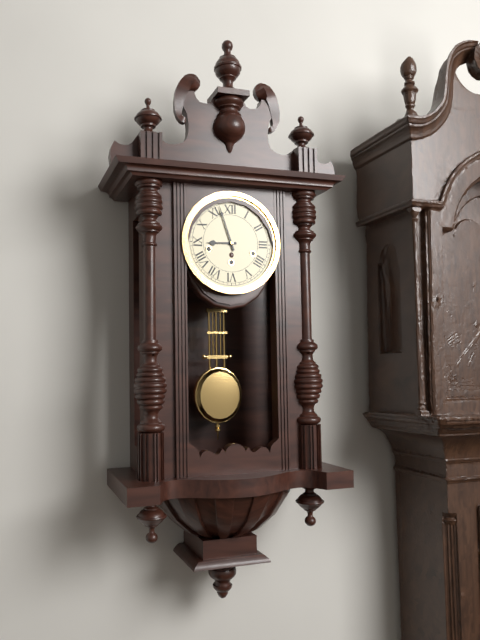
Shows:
{"hour": 8, "minute": 57}
